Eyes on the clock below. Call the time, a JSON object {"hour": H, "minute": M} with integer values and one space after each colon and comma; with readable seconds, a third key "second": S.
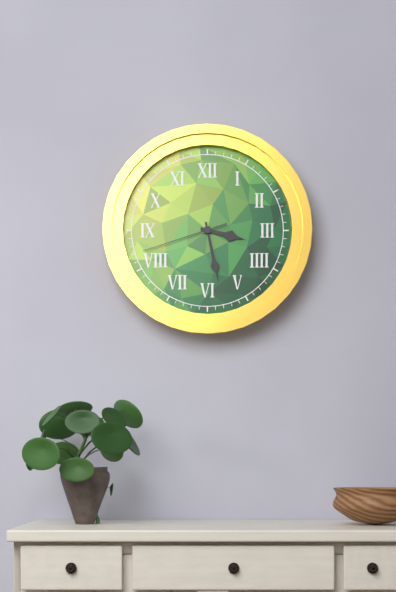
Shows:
{"hour": 3, "minute": 28, "second": 42}
